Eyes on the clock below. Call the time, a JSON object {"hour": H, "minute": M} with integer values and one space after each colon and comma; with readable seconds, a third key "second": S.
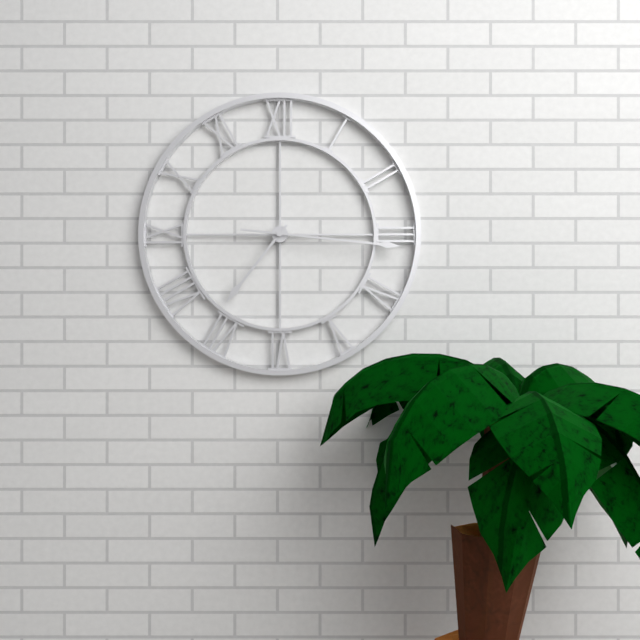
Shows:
{"hour": 7, "minute": 16}
